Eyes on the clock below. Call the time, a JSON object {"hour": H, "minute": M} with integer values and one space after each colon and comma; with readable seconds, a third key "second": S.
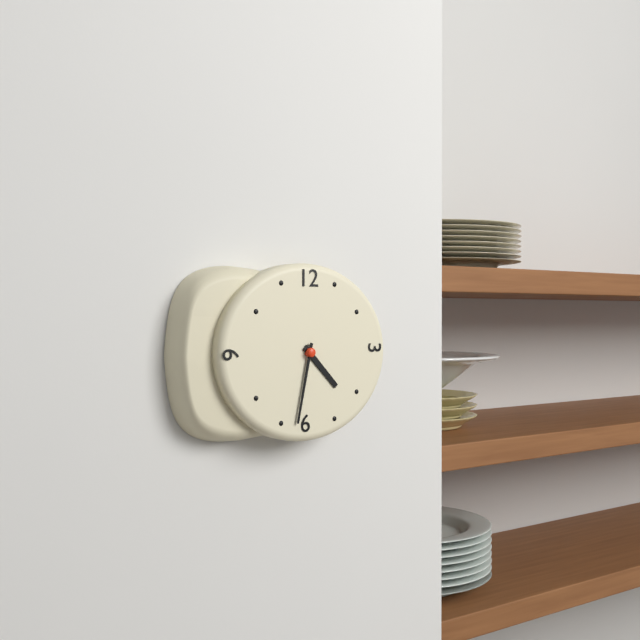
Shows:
{"hour": 4, "minute": 32}
